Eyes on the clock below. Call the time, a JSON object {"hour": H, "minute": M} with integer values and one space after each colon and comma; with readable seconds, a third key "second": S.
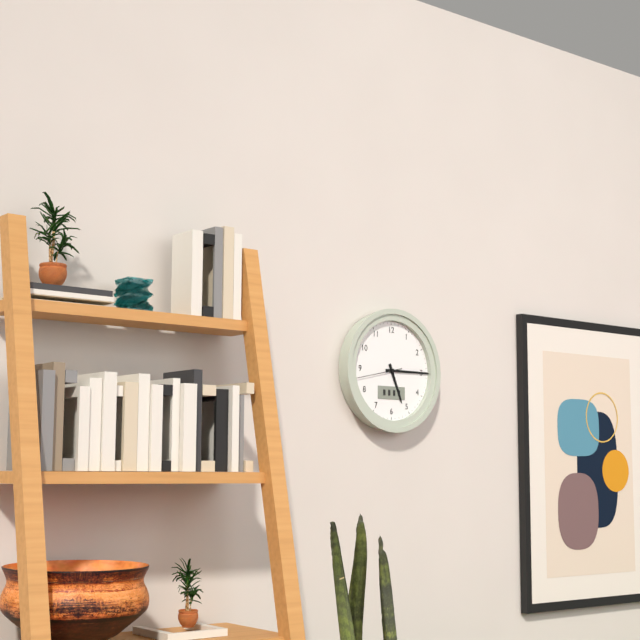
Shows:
{"hour": 5, "minute": 15, "second": 43}
